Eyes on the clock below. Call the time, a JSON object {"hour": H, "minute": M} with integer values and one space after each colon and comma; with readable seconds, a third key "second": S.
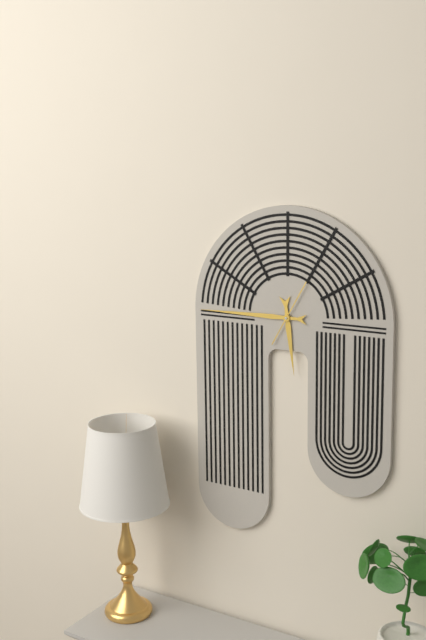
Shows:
{"hour": 5, "minute": 45, "second": 5}
